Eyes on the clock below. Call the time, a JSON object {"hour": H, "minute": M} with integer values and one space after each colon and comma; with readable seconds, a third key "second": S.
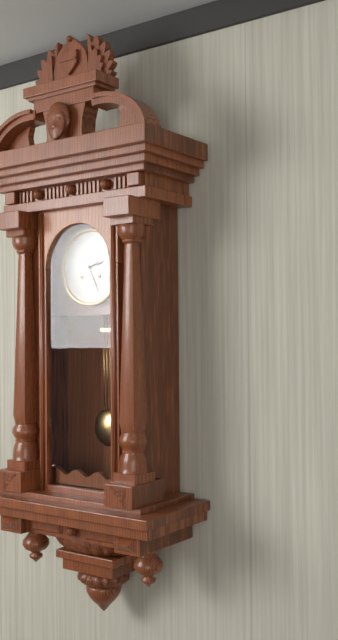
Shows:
{"hour": 2, "minute": 26}
